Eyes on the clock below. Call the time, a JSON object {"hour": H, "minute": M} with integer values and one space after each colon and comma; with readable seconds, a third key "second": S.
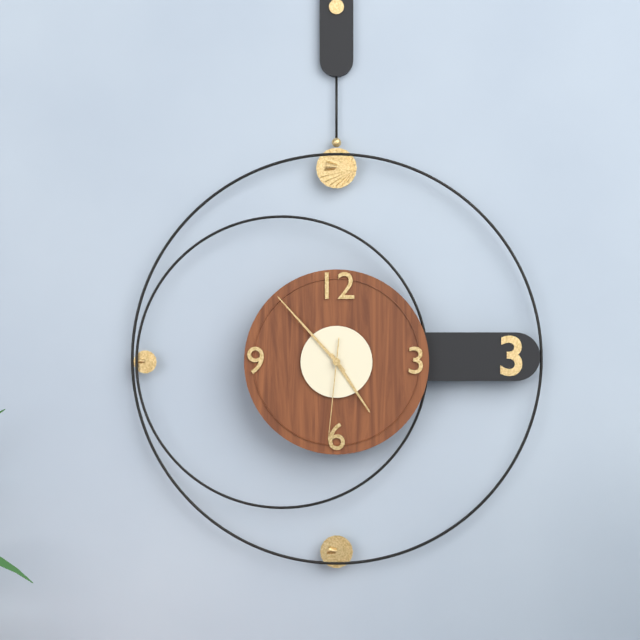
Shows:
{"hour": 4, "minute": 53, "second": 31}
